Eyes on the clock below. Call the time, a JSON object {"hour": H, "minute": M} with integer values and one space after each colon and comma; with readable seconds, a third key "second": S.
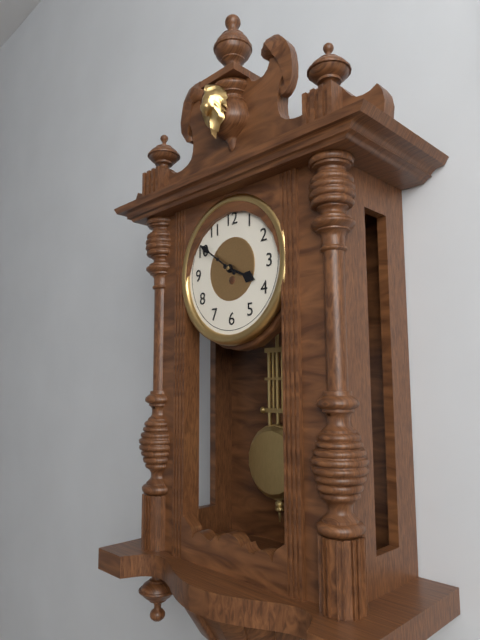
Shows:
{"hour": 3, "minute": 51}
